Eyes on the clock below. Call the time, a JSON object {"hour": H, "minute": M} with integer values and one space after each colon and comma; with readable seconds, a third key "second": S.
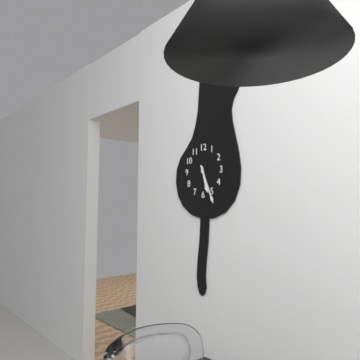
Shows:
{"hour": 5, "minute": 26}
